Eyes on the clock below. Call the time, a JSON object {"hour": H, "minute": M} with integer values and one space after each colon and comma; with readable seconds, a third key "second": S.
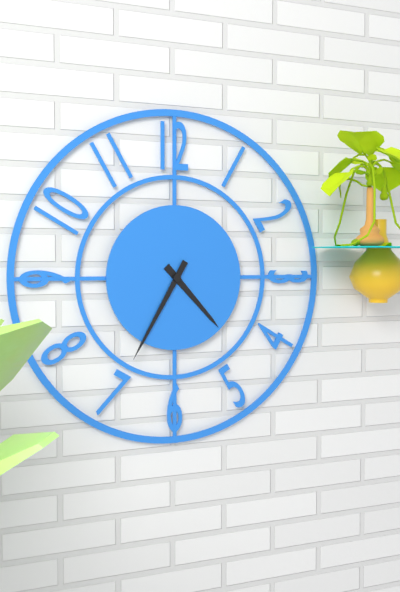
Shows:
{"hour": 4, "minute": 35}
